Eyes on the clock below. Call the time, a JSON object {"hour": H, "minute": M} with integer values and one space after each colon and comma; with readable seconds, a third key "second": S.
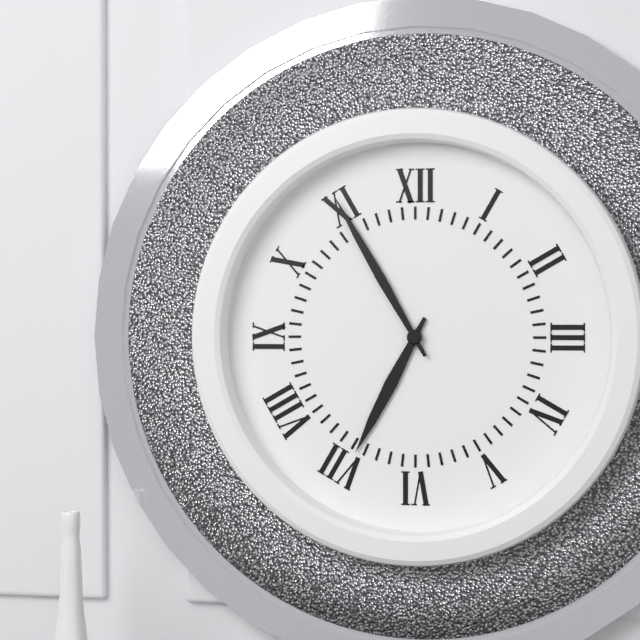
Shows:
{"hour": 6, "minute": 55}
